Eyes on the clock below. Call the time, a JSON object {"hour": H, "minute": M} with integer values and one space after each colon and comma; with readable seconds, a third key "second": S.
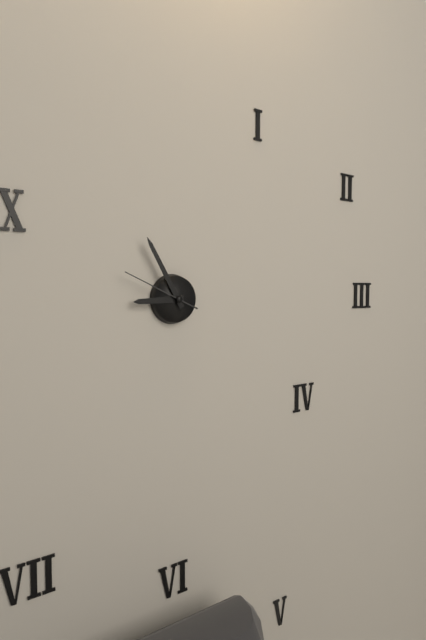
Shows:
{"hour": 8, "minute": 55, "second": 49}
